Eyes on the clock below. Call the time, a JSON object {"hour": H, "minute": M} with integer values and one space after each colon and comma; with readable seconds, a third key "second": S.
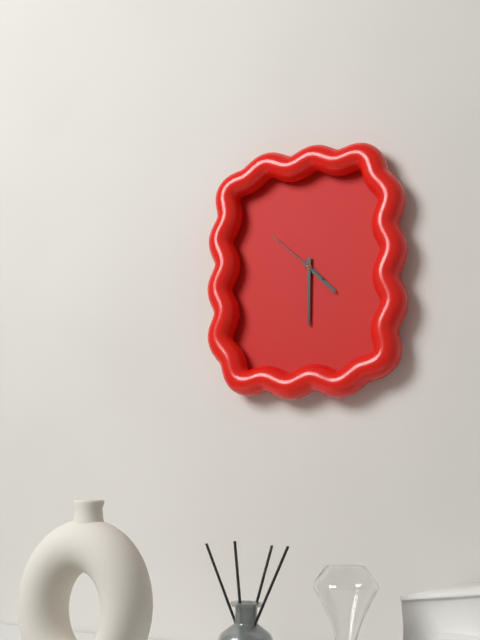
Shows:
{"hour": 4, "minute": 30, "second": 52}
